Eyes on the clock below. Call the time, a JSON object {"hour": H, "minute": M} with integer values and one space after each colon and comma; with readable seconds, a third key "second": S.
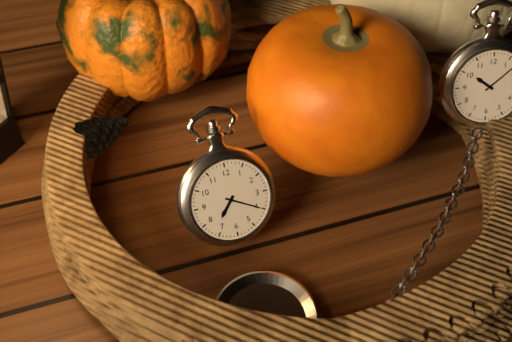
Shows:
{"hour": 7, "minute": 20}
